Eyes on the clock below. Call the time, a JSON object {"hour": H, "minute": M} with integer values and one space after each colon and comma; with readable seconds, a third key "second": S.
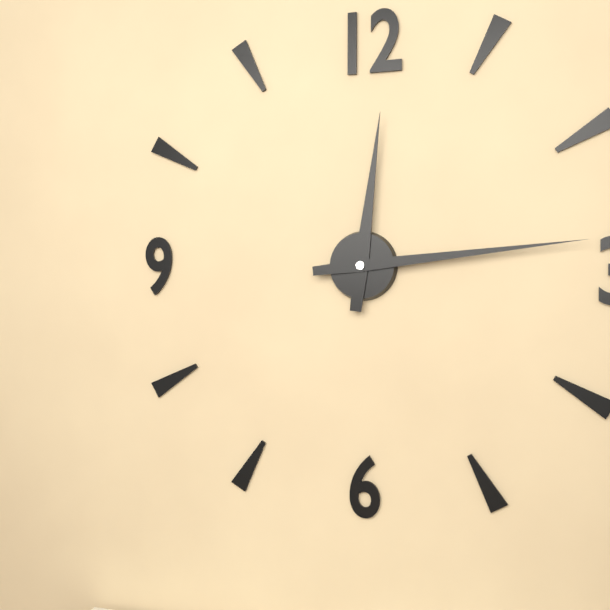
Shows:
{"hour": 12, "minute": 14}
